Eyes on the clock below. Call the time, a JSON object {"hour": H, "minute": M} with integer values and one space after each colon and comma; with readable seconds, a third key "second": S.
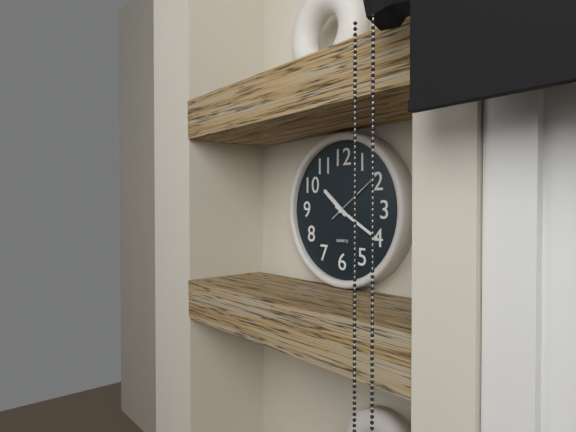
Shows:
{"hour": 10, "minute": 20, "second": 9}
